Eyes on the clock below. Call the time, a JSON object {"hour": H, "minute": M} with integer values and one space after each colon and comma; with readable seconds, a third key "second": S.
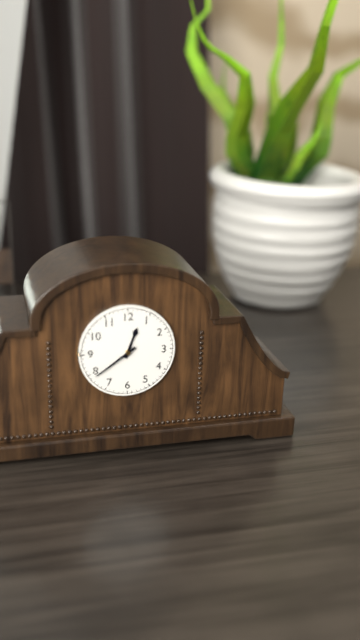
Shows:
{"hour": 12, "minute": 39}
